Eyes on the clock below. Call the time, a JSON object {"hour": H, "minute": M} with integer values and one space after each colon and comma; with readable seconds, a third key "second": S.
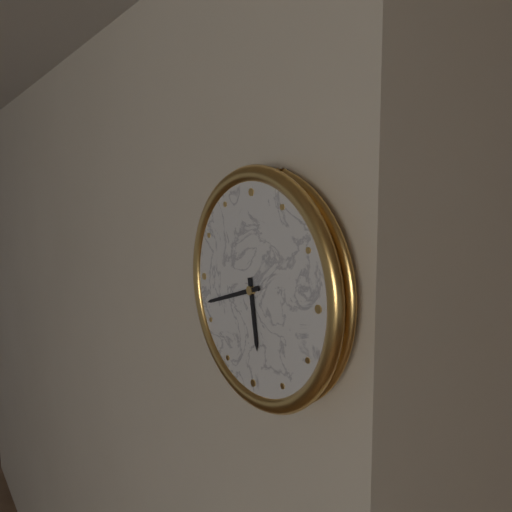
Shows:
{"hour": 5, "minute": 42}
